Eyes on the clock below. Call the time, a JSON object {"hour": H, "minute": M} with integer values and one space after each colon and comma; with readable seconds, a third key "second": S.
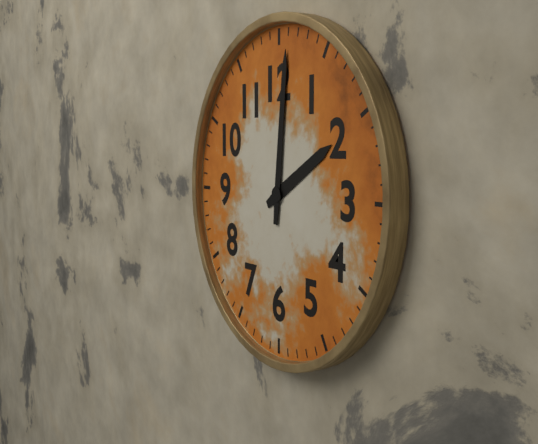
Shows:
{"hour": 2, "minute": 1}
